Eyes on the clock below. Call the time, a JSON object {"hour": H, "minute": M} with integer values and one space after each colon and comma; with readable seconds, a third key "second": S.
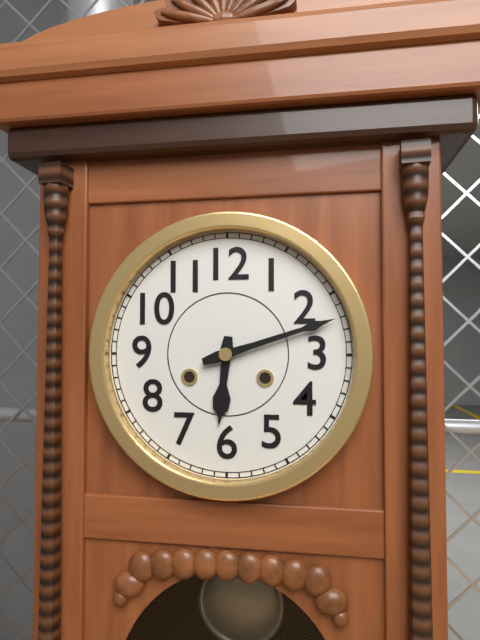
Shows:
{"hour": 6, "minute": 12}
